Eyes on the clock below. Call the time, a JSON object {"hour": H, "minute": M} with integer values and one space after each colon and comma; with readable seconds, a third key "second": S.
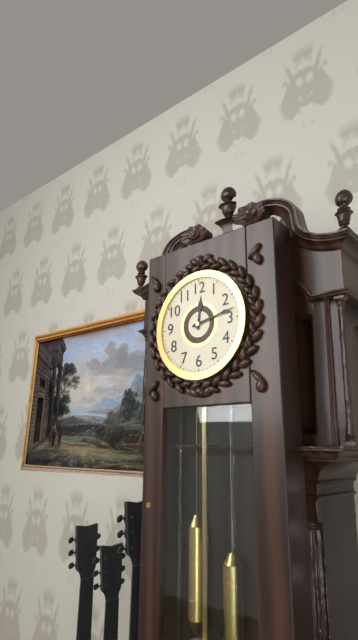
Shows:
{"hour": 12, "minute": 13}
